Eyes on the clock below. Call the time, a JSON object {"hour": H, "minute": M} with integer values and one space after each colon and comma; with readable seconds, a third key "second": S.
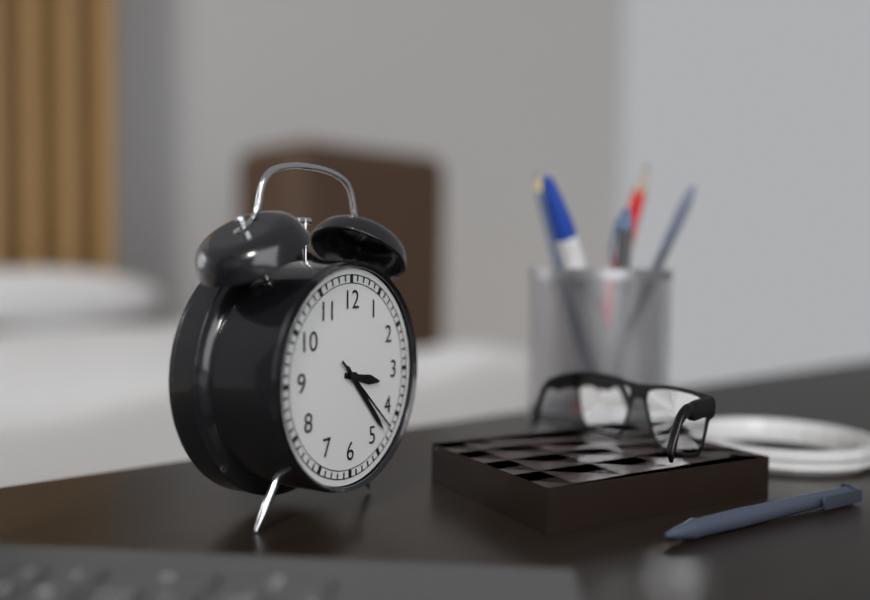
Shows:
{"hour": 3, "minute": 23, "second": 22}
